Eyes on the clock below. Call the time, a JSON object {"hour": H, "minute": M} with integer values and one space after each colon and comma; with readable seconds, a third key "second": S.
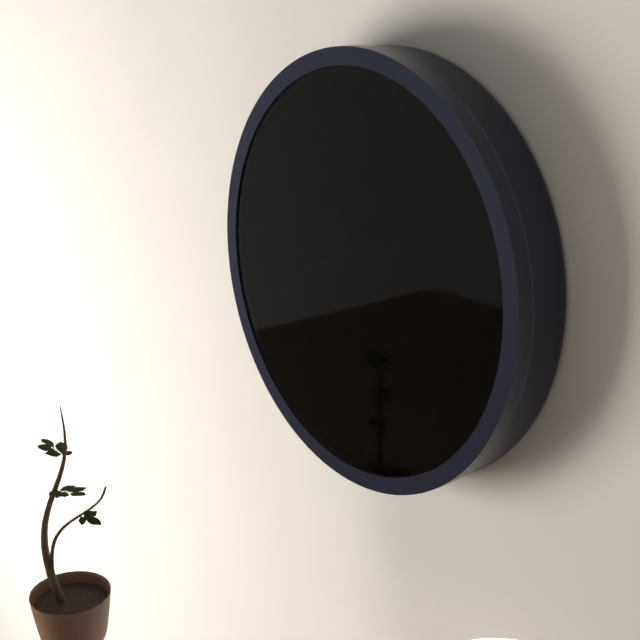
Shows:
{"hour": 9, "minute": 54}
